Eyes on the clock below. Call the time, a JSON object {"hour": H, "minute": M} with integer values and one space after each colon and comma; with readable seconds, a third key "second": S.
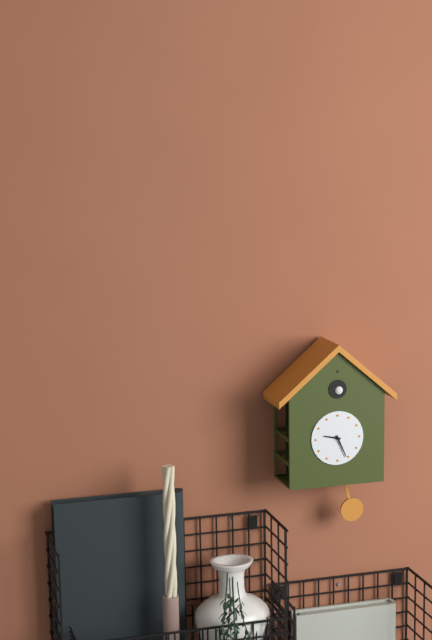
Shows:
{"hour": 9, "minute": 26}
